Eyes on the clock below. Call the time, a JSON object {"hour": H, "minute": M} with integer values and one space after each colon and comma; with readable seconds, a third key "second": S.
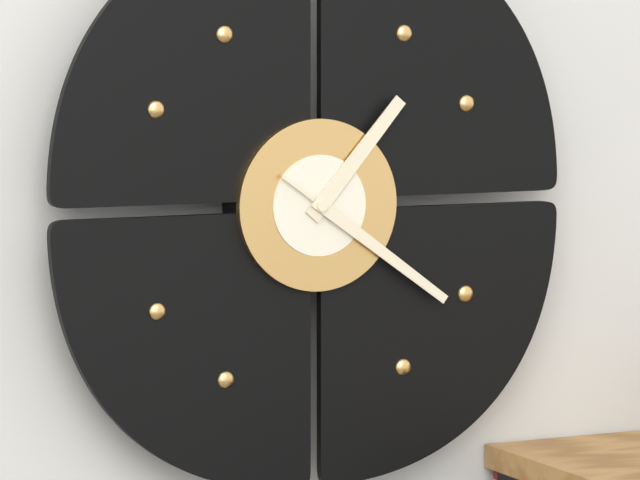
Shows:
{"hour": 1, "minute": 21}
